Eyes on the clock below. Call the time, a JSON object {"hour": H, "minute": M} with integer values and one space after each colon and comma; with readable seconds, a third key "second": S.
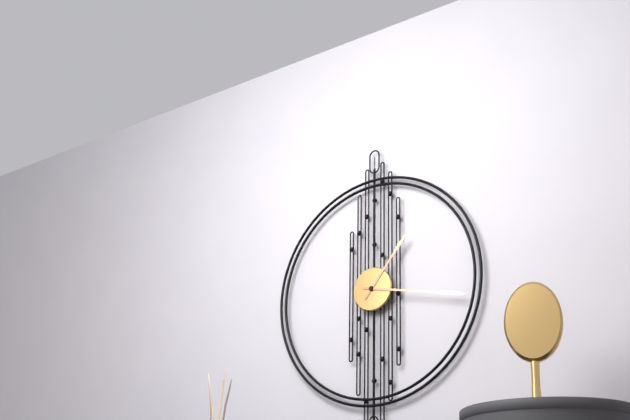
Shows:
{"hour": 1, "minute": 17}
